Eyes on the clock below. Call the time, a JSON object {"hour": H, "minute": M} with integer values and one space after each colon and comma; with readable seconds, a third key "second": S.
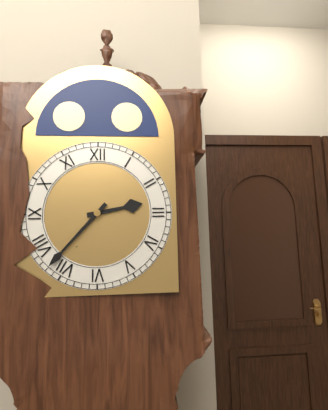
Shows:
{"hour": 2, "minute": 37}
